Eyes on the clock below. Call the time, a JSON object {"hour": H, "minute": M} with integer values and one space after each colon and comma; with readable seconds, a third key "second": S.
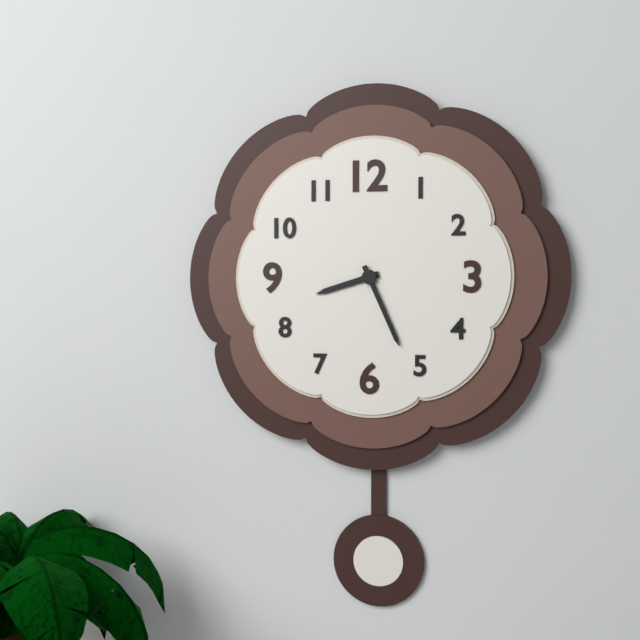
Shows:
{"hour": 8, "minute": 26}
